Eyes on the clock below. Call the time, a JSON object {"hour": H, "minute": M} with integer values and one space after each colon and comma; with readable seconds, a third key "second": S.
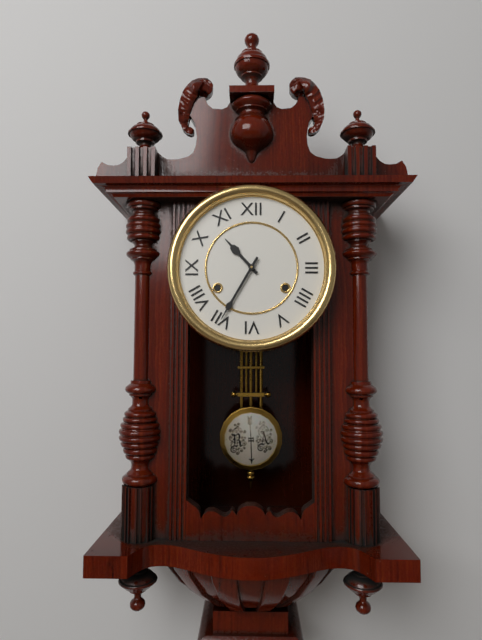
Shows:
{"hour": 10, "minute": 35}
